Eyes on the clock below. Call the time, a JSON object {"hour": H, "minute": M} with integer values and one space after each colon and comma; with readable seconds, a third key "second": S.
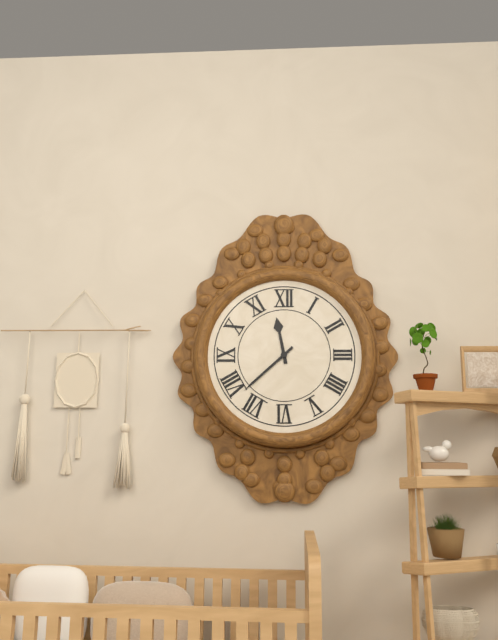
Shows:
{"hour": 11, "minute": 38}
